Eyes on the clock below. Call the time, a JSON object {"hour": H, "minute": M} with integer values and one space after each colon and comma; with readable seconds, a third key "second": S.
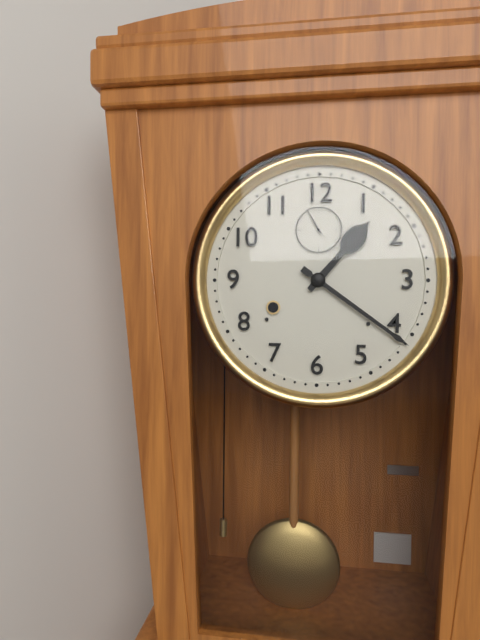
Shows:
{"hour": 1, "minute": 21}
